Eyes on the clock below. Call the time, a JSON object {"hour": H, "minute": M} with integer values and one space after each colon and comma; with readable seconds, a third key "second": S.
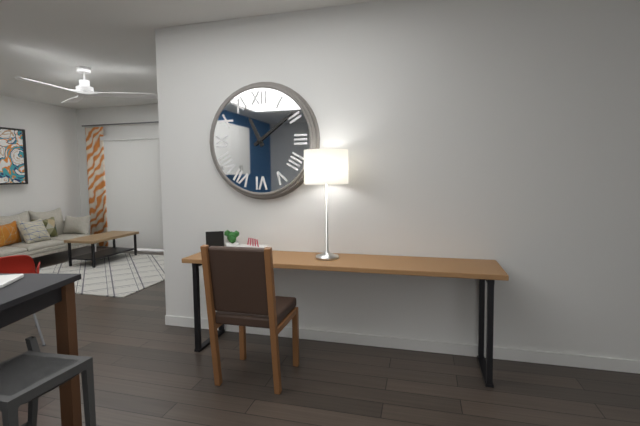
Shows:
{"hour": 11, "minute": 9}
